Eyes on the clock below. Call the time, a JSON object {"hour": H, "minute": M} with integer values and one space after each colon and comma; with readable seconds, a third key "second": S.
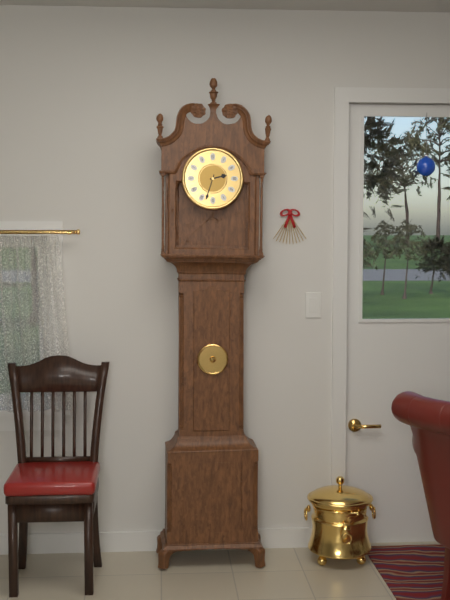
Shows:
{"hour": 2, "minute": 33}
